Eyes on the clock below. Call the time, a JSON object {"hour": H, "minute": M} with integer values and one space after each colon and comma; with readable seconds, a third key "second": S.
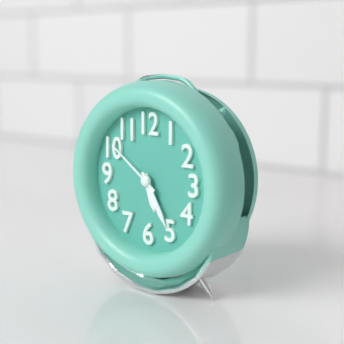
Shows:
{"hour": 5, "minute": 25, "second": 51}
